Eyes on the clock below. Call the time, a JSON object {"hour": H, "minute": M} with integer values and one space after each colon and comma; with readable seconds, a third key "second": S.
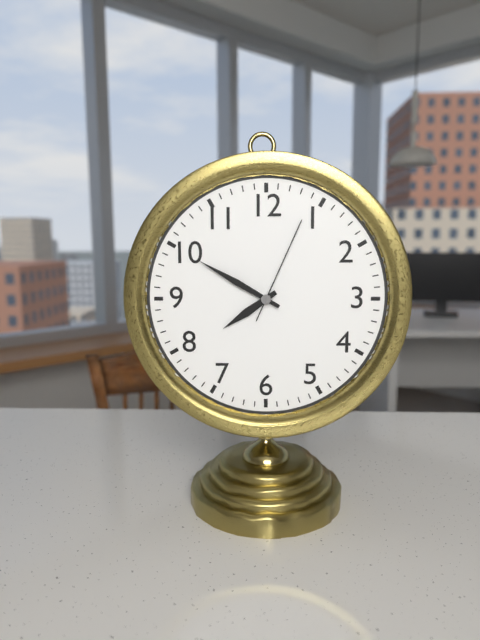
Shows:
{"hour": 7, "minute": 50, "second": 4}
